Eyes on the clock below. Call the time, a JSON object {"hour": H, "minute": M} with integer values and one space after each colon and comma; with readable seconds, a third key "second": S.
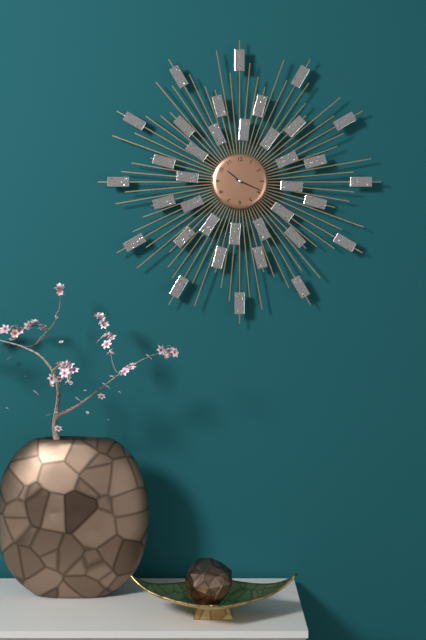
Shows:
{"hour": 10, "minute": 19}
